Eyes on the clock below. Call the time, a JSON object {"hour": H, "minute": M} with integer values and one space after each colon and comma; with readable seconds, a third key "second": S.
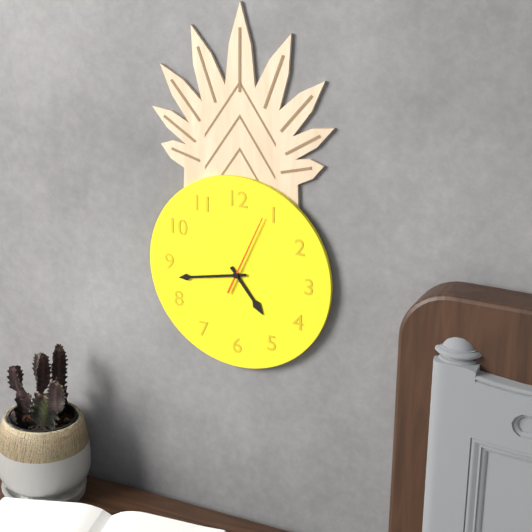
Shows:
{"hour": 4, "minute": 43, "second": 4}
